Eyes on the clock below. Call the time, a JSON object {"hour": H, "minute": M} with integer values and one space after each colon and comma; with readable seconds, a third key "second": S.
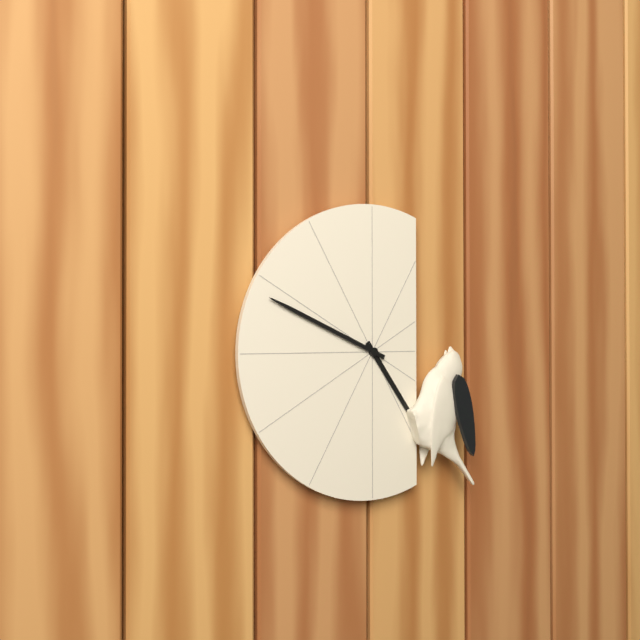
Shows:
{"hour": 4, "minute": 49}
